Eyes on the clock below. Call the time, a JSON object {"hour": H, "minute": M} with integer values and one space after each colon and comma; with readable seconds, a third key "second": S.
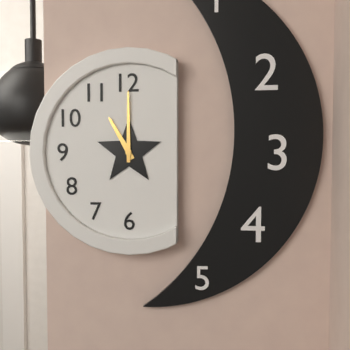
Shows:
{"hour": 11, "minute": 0}
